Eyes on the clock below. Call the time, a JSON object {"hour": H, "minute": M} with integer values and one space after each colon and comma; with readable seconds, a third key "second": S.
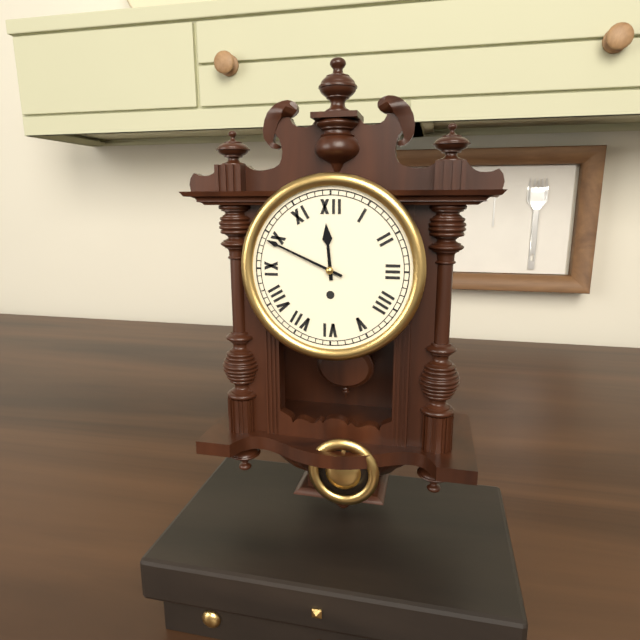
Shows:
{"hour": 11, "minute": 49}
